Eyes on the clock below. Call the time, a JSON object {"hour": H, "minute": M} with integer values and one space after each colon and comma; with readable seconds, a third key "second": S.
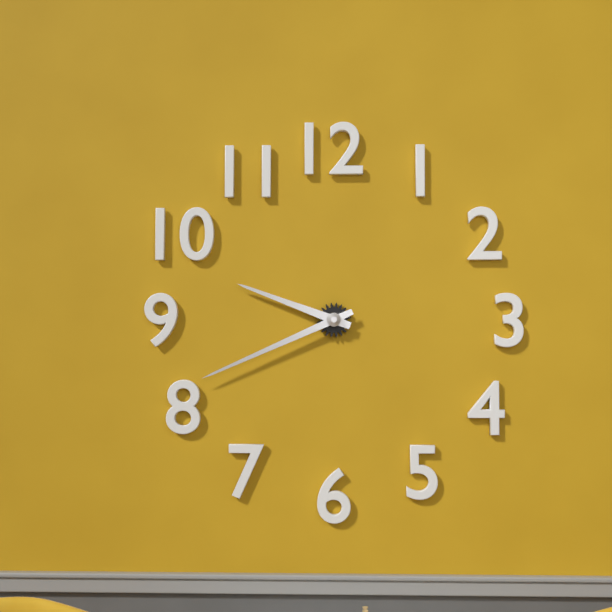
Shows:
{"hour": 9, "minute": 41}
